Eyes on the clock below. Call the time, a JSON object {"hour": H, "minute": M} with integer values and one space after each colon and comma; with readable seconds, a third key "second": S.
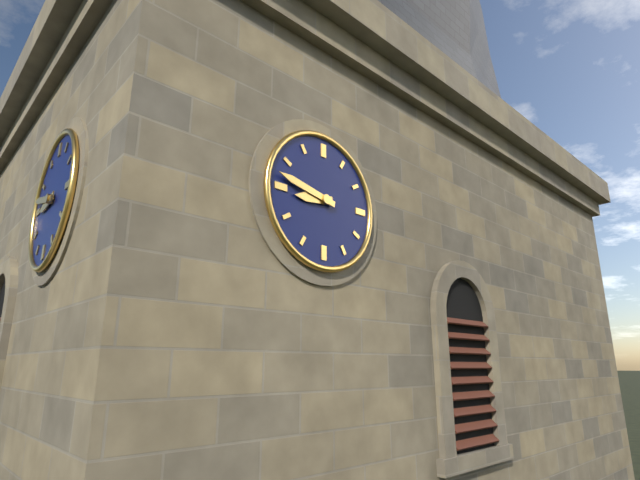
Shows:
{"hour": 8, "minute": 47}
